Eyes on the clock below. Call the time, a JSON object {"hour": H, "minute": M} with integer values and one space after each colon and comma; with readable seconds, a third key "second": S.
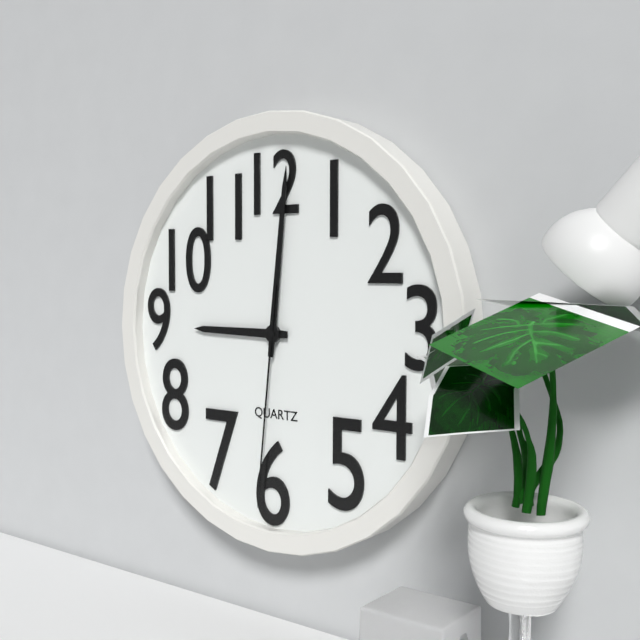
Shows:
{"hour": 9, "minute": 1, "second": 31}
